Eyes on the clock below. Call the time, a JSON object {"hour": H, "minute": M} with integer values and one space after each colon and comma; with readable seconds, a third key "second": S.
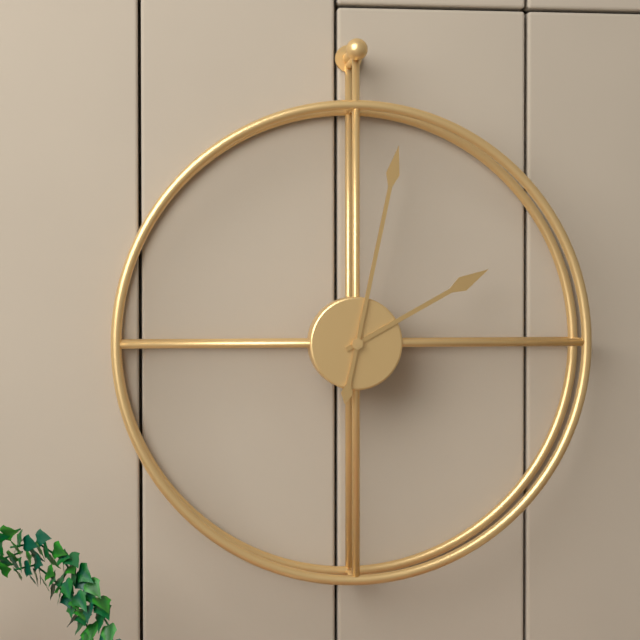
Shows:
{"hour": 2, "minute": 2}
